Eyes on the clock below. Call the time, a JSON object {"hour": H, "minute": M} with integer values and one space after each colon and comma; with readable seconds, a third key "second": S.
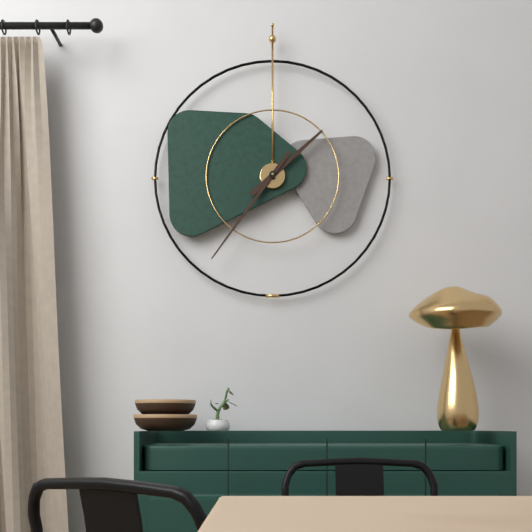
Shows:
{"hour": 1, "minute": 36}
